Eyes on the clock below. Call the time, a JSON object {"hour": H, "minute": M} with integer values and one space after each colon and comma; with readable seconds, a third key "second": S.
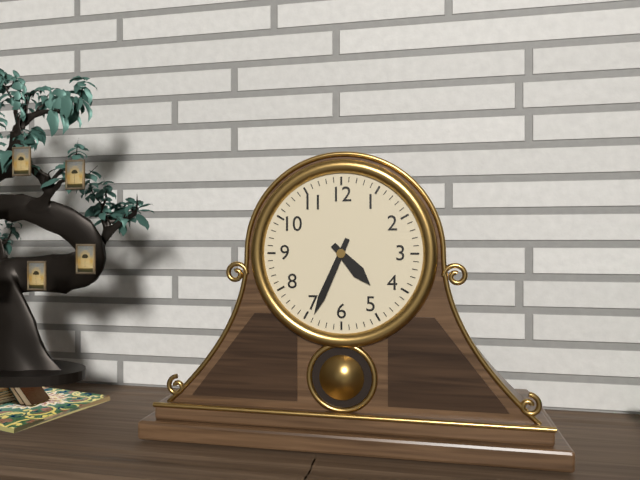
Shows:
{"hour": 4, "minute": 34}
